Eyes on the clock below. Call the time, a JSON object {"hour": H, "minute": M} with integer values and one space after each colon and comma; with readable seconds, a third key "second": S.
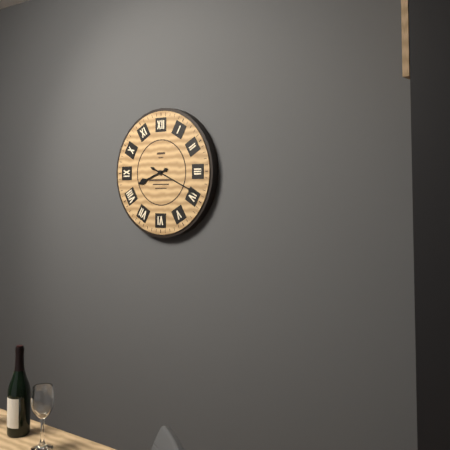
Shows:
{"hour": 8, "minute": 19}
